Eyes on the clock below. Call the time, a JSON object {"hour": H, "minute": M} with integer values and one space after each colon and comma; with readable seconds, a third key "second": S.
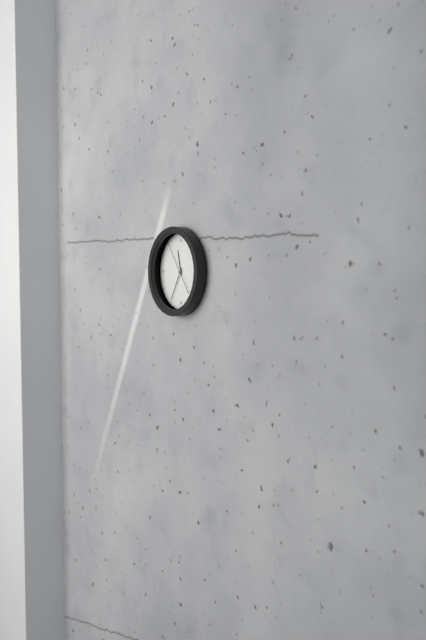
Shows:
{"hour": 11, "minute": 35}
